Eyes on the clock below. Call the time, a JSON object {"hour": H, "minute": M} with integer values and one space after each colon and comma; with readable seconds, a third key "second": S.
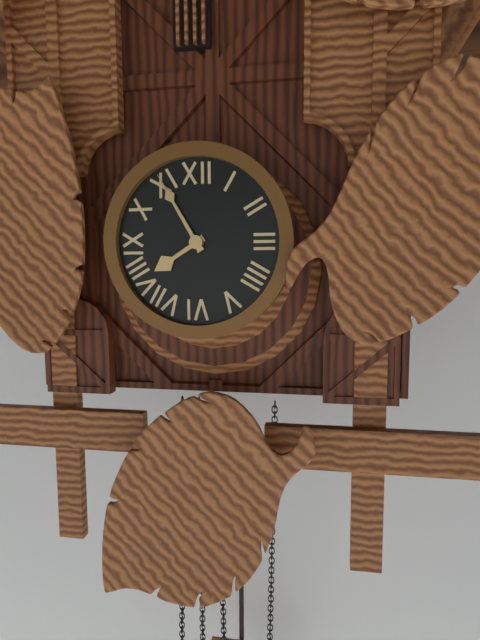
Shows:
{"hour": 7, "minute": 55}
